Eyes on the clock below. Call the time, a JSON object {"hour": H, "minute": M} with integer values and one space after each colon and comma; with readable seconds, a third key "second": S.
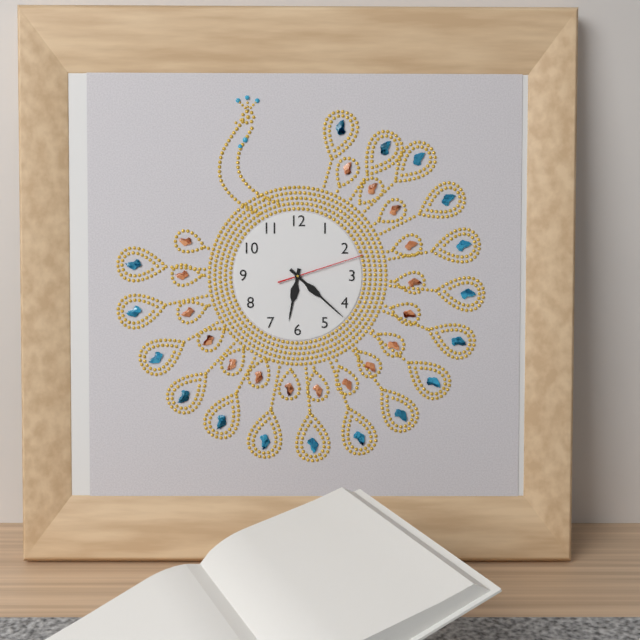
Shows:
{"hour": 6, "minute": 22, "second": 12}
